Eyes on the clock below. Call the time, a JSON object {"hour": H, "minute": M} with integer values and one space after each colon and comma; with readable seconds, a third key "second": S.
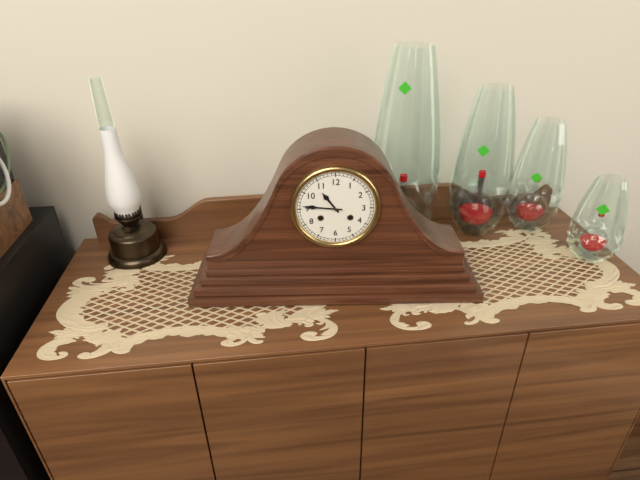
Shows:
{"hour": 10, "minute": 46}
